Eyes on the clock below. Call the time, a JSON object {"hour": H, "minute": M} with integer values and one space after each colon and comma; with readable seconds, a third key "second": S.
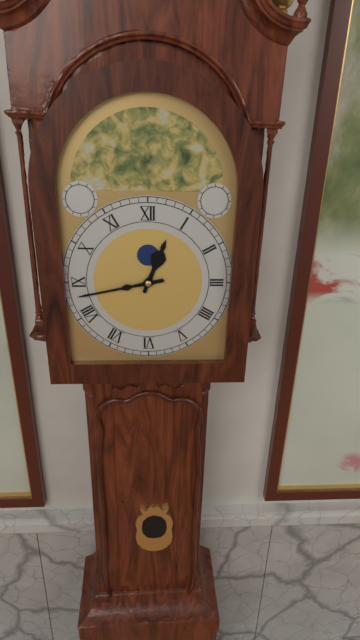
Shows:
{"hour": 12, "minute": 43}
